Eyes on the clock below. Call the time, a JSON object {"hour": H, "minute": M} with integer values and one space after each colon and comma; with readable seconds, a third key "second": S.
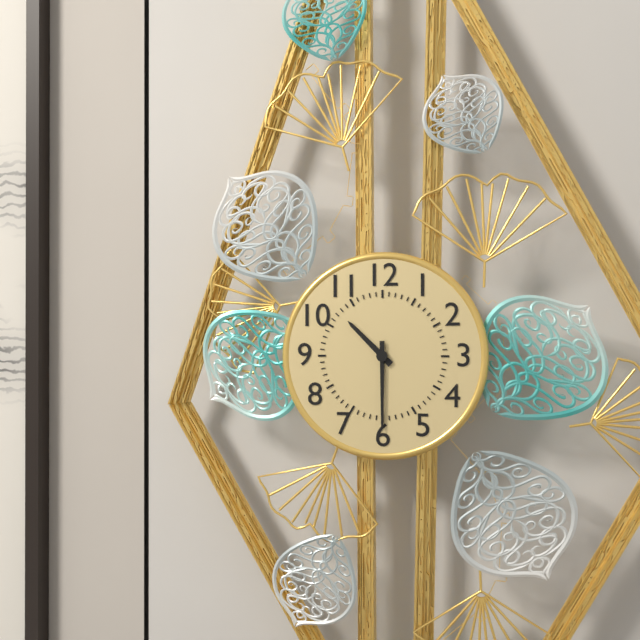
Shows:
{"hour": 10, "minute": 30}
